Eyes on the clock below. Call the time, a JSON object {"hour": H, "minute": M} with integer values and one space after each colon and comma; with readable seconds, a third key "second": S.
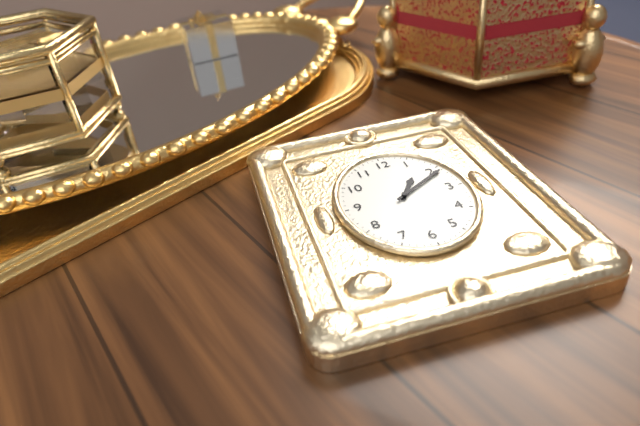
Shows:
{"hour": 1, "minute": 10}
